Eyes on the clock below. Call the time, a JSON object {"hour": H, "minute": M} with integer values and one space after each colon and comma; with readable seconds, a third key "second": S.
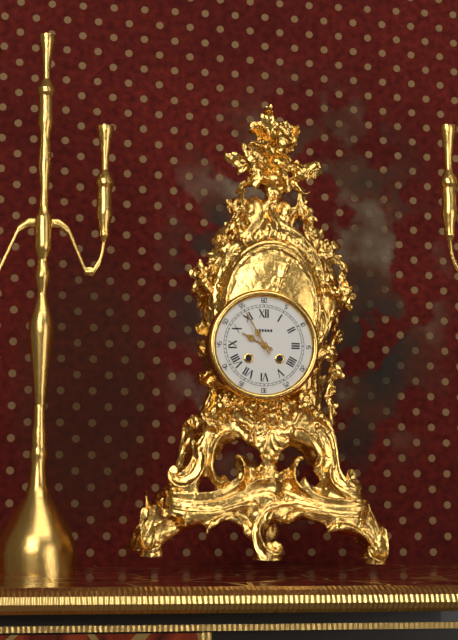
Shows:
{"hour": 9, "minute": 55}
